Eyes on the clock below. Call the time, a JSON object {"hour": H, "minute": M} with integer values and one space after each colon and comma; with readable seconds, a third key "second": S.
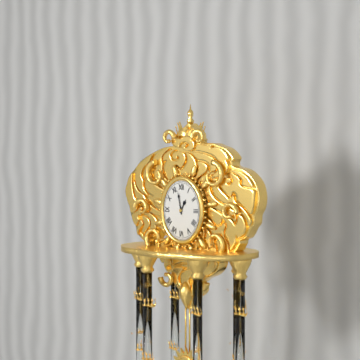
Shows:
{"hour": 12, "minute": 58}
